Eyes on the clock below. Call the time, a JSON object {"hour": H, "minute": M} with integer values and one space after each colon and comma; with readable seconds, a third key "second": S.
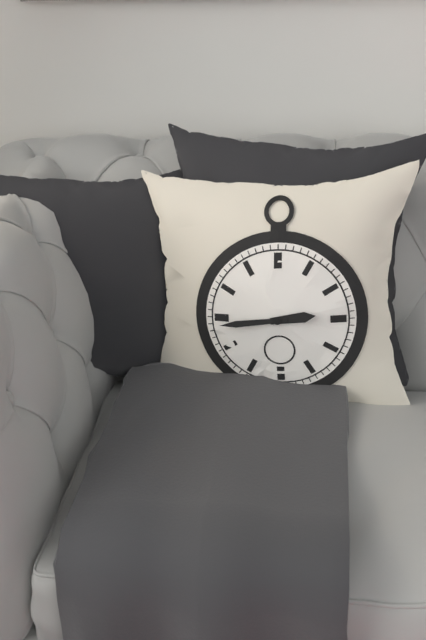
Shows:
{"hour": 2, "minute": 44}
